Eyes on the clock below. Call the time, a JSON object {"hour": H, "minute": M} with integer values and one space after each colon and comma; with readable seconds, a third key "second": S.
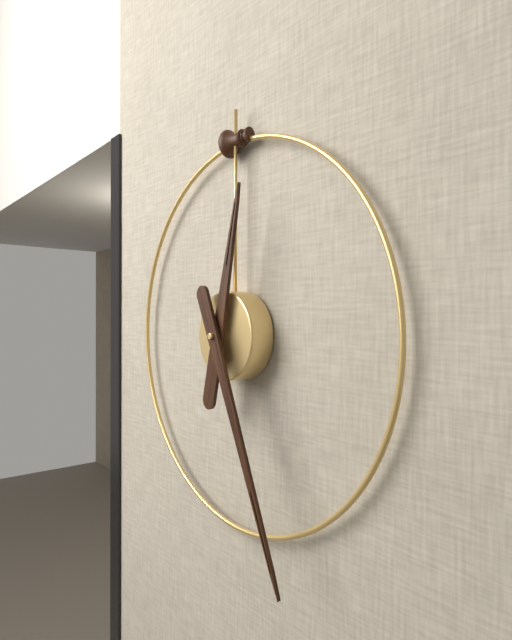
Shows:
{"hour": 12, "minute": 26}
